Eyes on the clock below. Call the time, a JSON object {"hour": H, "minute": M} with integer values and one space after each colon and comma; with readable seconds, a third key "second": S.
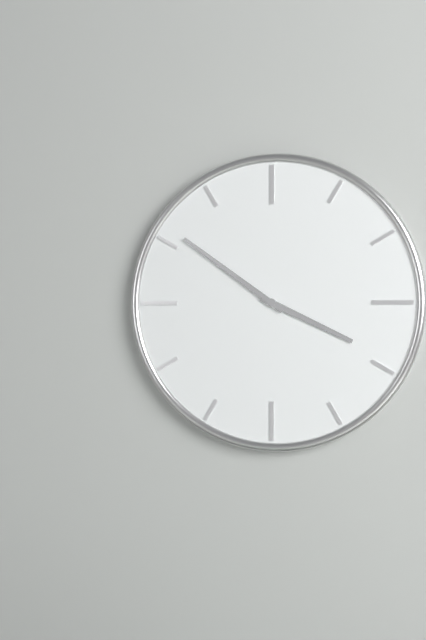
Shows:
{"hour": 3, "minute": 51}
